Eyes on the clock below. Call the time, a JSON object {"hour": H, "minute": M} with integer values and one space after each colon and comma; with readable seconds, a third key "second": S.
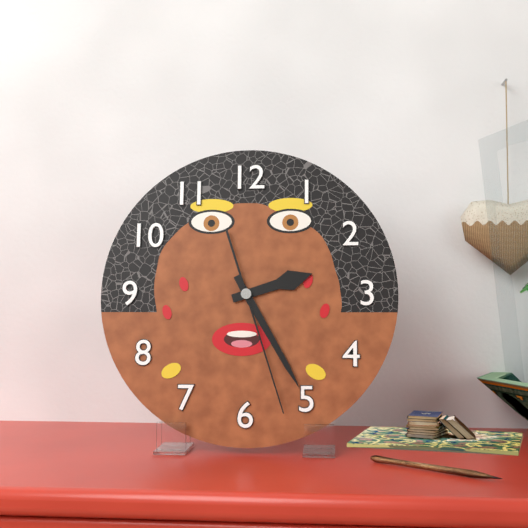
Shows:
{"hour": 2, "minute": 25, "second": 27}
